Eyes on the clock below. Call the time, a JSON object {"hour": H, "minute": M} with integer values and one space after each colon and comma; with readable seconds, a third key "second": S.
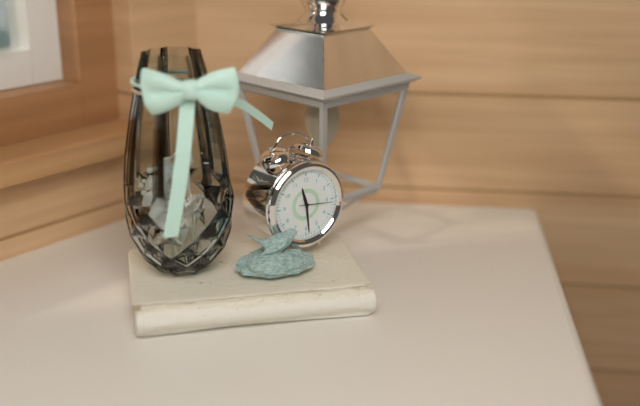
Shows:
{"hour": 11, "minute": 29}
